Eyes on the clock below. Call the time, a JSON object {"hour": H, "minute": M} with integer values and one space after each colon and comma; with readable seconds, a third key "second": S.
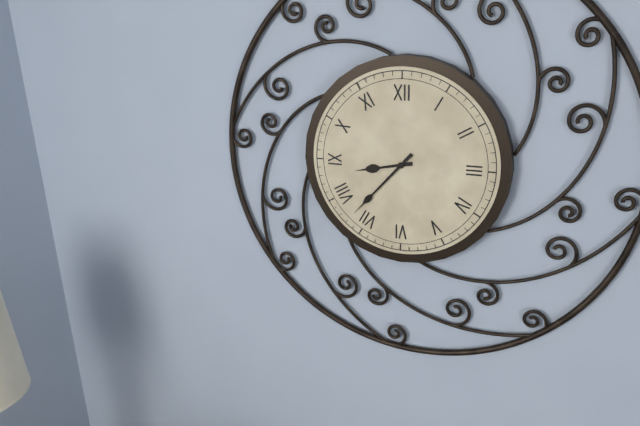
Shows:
{"hour": 8, "minute": 37}
